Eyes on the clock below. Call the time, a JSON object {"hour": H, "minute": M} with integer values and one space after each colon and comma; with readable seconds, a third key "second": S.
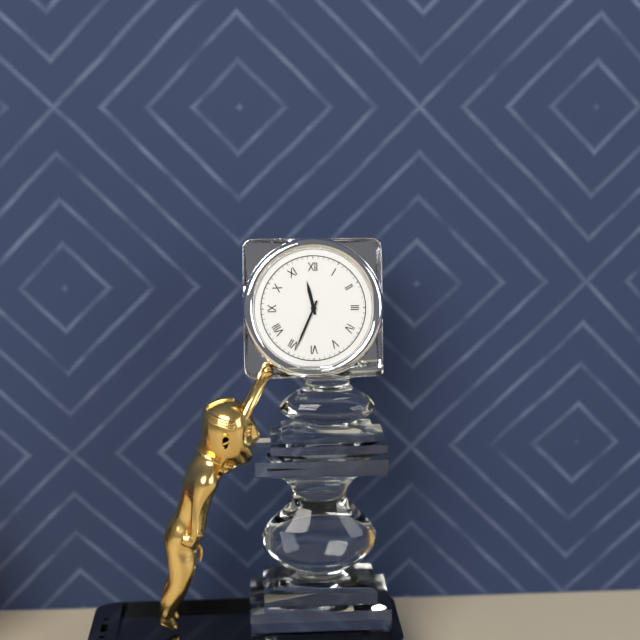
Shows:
{"hour": 11, "minute": 34}
